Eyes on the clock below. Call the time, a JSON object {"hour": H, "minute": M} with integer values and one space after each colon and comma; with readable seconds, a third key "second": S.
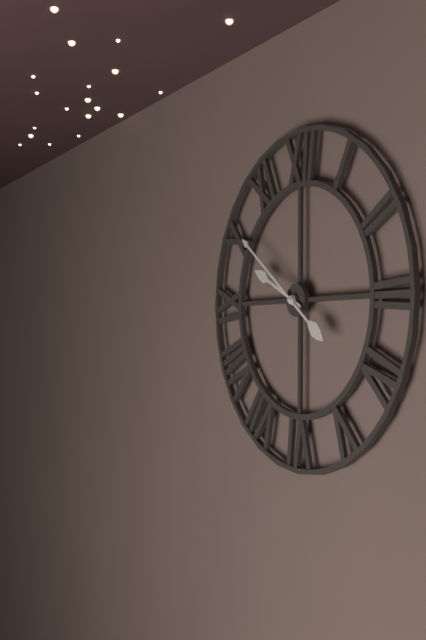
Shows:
{"hour": 9, "minute": 51}
